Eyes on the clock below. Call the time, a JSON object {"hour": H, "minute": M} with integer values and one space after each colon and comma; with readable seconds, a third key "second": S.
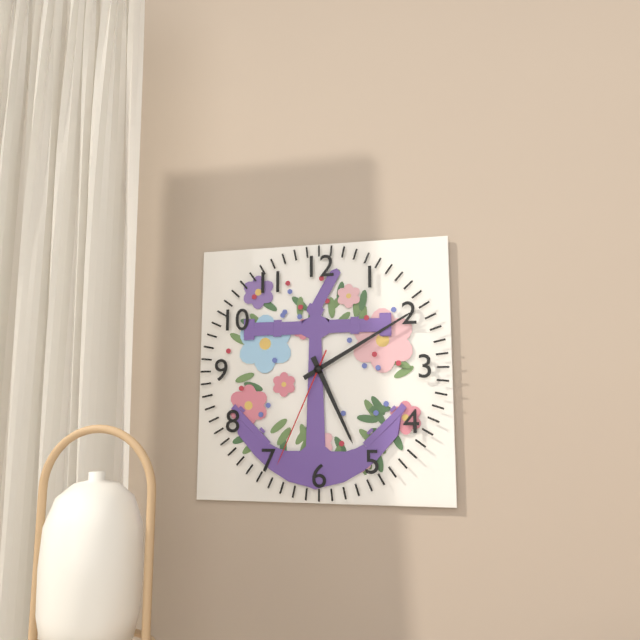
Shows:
{"hour": 5, "minute": 10, "second": 34}
